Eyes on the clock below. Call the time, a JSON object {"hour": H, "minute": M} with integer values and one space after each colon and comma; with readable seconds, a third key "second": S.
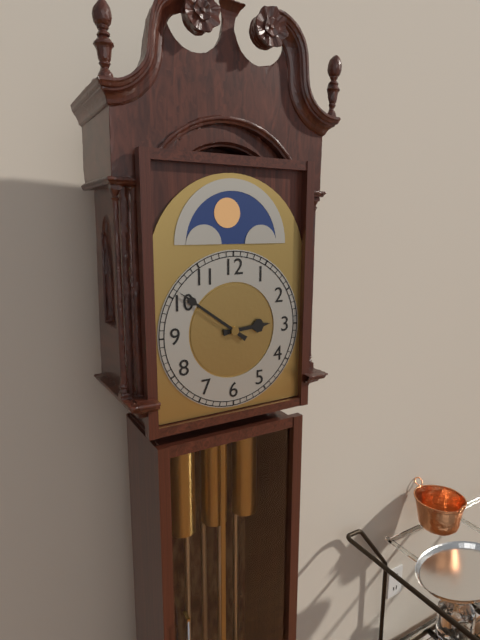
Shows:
{"hour": 2, "minute": 51}
